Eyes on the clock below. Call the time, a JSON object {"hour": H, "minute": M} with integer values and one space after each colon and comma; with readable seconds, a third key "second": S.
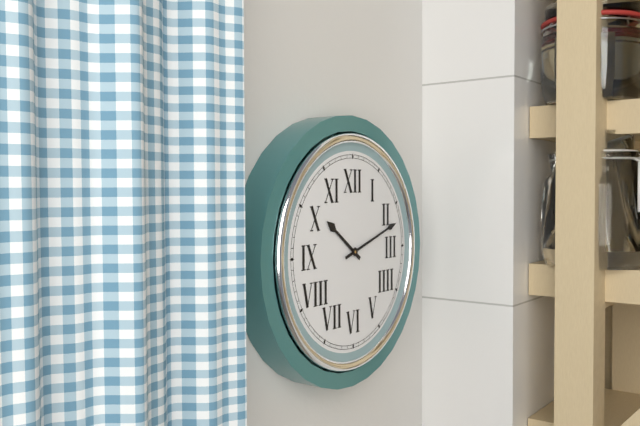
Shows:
{"hour": 10, "minute": 12}
